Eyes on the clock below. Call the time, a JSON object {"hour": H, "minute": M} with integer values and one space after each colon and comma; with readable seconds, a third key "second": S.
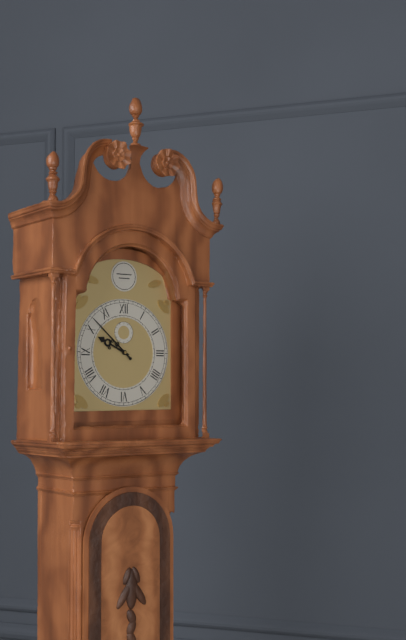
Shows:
{"hour": 9, "minute": 52}
